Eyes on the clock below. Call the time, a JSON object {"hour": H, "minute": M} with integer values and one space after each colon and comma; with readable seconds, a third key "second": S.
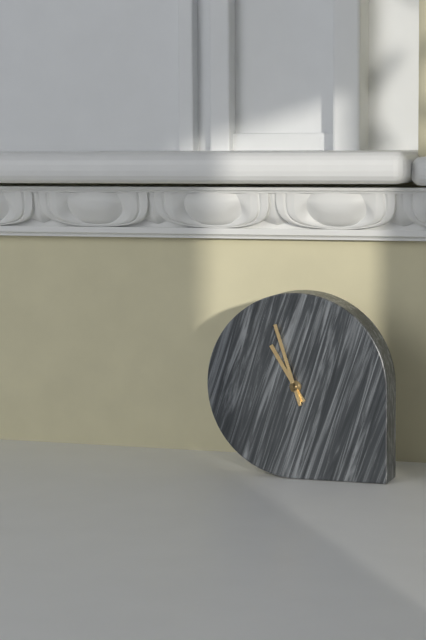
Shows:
{"hour": 10, "minute": 57}
